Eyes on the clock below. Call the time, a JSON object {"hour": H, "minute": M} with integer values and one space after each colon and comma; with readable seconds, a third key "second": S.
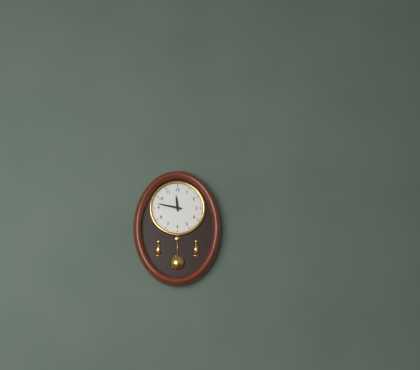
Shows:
{"hour": 11, "minute": 47}
